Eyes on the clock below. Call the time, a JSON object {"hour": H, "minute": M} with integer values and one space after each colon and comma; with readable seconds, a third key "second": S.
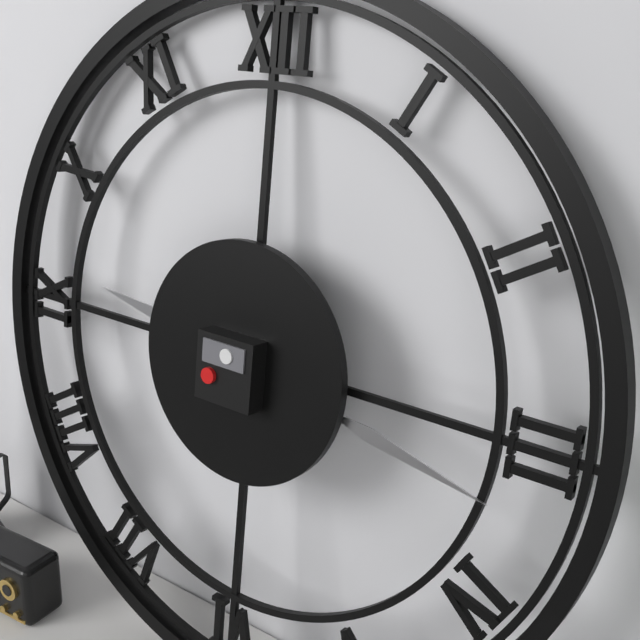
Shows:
{"hour": 9, "minute": 17}
